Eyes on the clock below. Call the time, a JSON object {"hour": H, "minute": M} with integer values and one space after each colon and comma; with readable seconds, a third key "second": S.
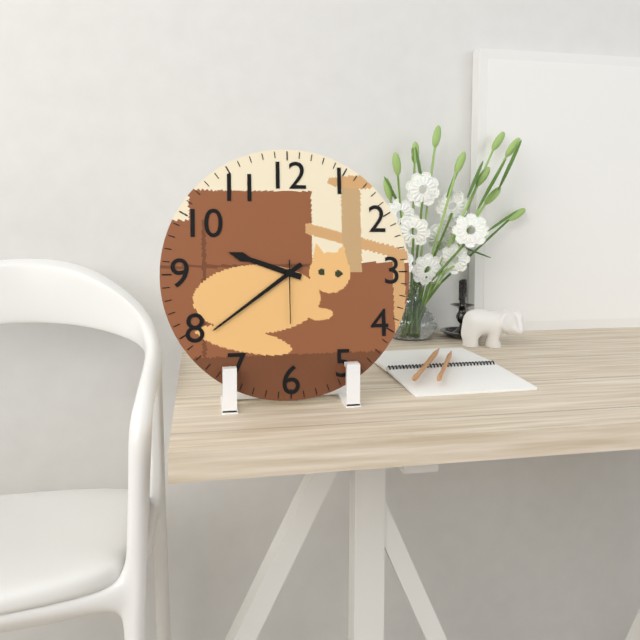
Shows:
{"hour": 9, "minute": 39, "second": 30}
